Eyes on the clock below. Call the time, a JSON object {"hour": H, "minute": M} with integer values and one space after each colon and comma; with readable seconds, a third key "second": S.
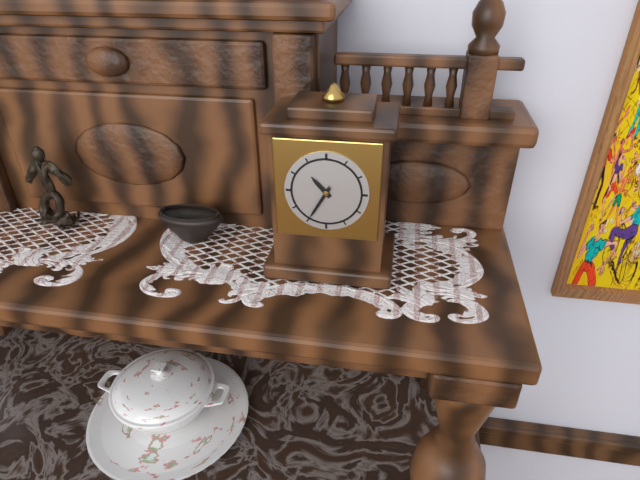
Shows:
{"hour": 10, "minute": 35}
